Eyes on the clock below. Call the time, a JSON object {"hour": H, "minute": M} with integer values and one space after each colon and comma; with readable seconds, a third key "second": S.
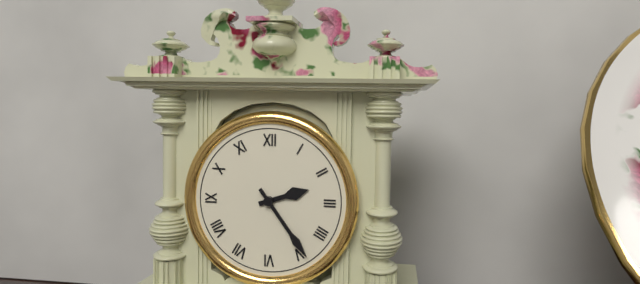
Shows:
{"hour": 2, "minute": 24}
